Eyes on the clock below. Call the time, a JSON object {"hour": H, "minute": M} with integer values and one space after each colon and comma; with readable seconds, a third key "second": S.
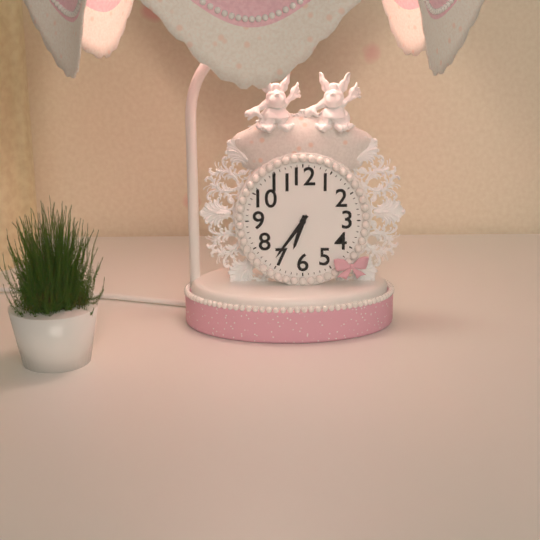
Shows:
{"hour": 6, "minute": 36}
